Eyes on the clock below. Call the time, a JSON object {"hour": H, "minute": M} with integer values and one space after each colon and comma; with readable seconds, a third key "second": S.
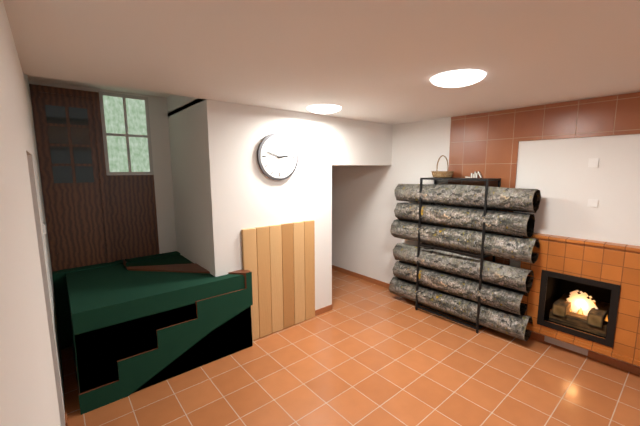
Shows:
{"hour": 2, "minute": 48}
